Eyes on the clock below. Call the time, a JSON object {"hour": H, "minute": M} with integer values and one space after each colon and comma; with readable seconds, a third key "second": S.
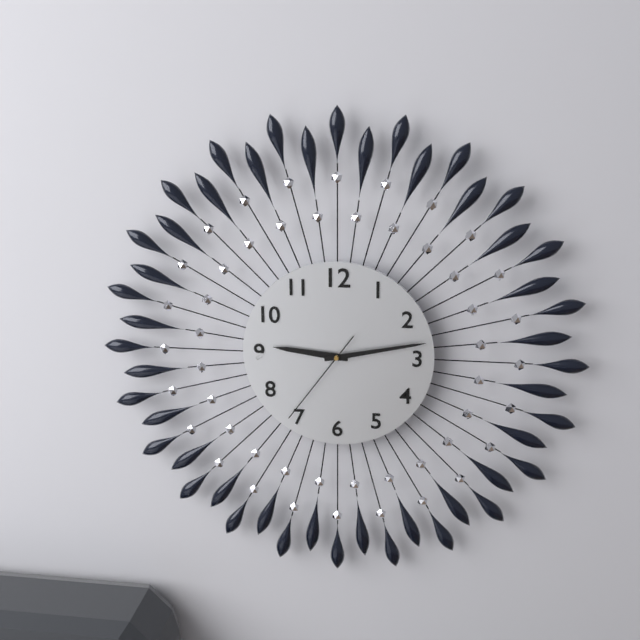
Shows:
{"hour": 9, "minute": 13, "second": 36}
